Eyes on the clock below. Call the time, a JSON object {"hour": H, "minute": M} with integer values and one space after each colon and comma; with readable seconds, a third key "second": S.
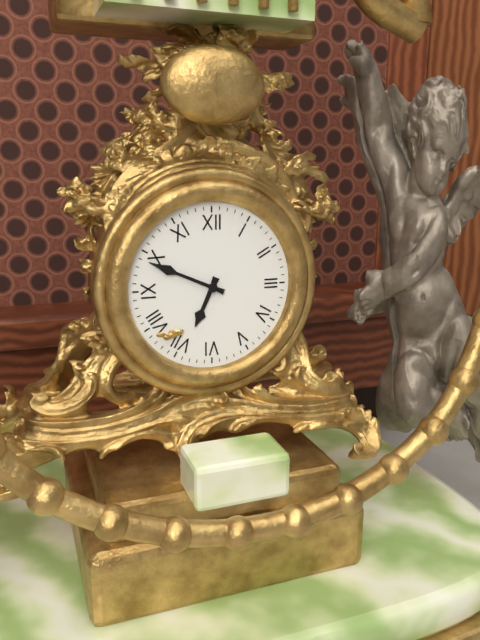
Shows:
{"hour": 6, "minute": 49}
